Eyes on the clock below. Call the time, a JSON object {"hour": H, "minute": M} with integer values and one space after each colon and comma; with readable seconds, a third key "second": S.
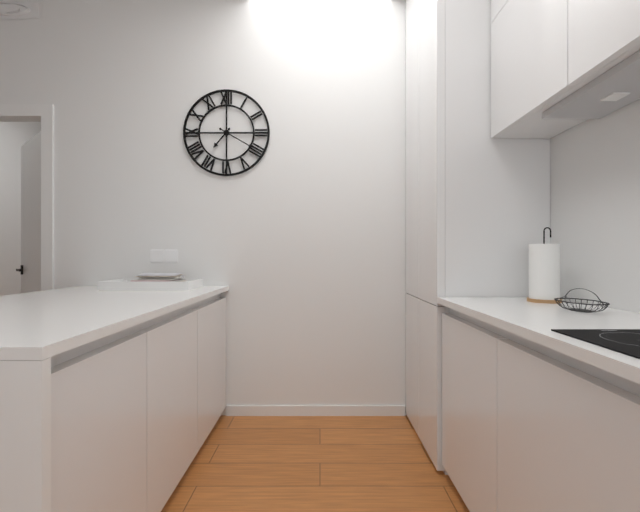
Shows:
{"hour": 7, "minute": 20}
